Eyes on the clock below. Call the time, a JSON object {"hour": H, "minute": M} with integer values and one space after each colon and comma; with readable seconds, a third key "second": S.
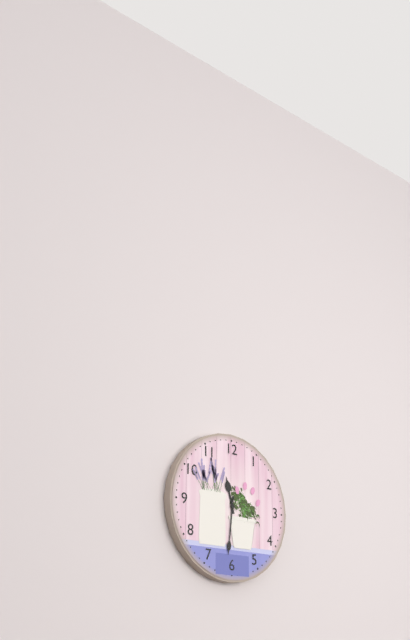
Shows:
{"hour": 11, "minute": 31}
